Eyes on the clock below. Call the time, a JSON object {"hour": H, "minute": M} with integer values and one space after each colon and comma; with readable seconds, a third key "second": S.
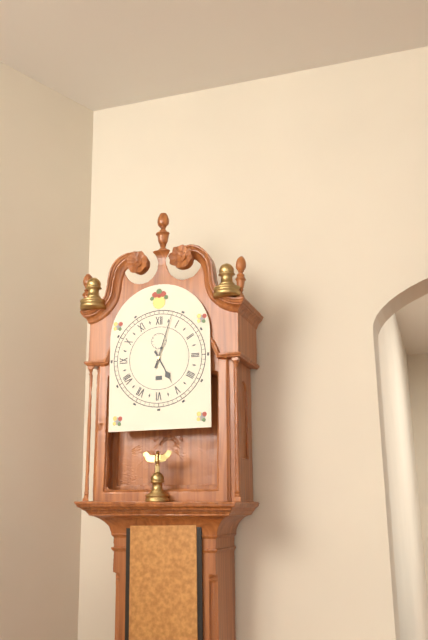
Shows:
{"hour": 5, "minute": 3}
